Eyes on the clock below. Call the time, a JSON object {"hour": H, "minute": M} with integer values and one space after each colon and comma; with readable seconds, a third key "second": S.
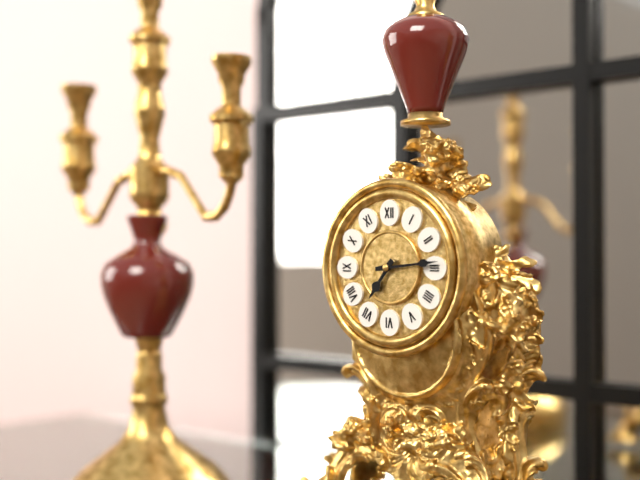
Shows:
{"hour": 7, "minute": 14}
